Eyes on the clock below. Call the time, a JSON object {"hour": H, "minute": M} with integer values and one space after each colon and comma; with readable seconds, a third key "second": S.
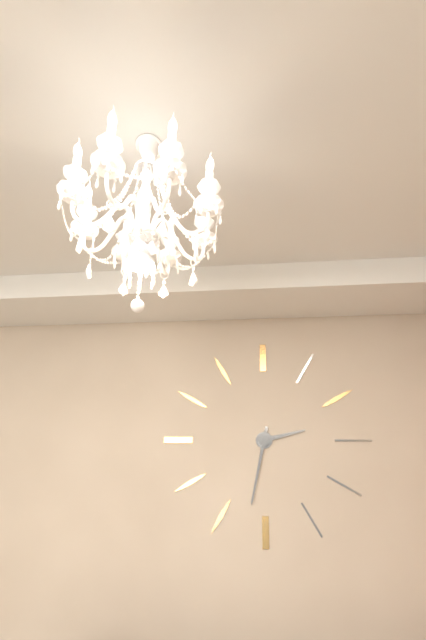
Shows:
{"hour": 2, "minute": 32}
